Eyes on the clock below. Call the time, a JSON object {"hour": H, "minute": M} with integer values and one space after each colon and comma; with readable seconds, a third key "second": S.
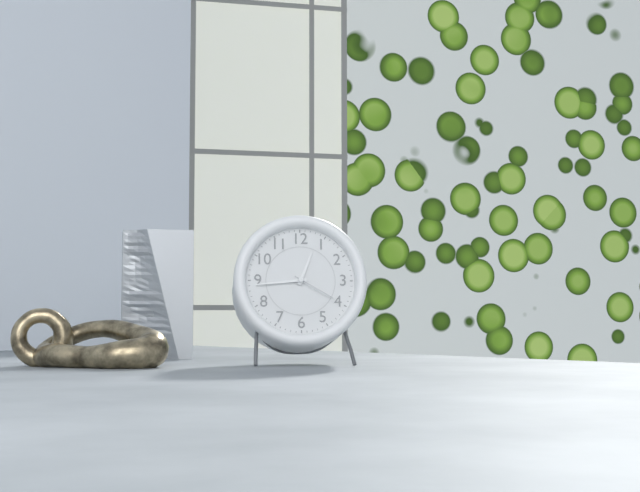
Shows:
{"hour": 12, "minute": 44}
